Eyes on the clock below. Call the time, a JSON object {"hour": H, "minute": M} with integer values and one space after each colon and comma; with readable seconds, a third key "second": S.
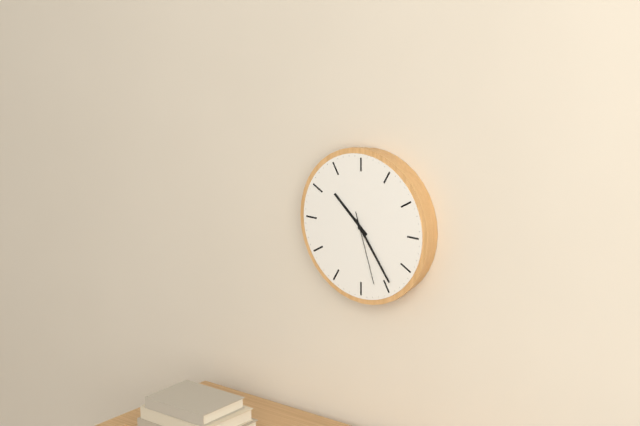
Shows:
{"hour": 10, "minute": 24, "second": 27}
